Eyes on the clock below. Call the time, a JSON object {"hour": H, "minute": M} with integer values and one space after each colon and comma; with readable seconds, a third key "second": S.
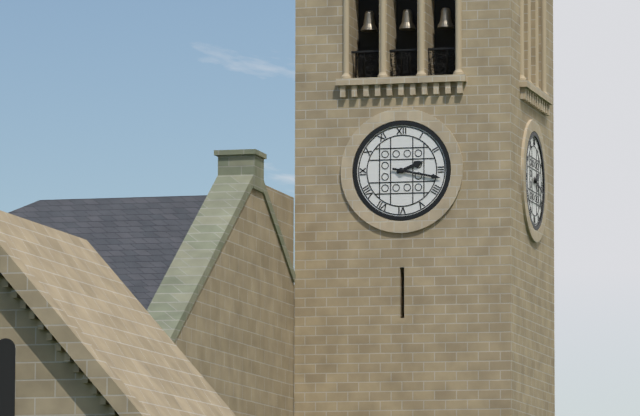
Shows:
{"hour": 2, "minute": 17}
